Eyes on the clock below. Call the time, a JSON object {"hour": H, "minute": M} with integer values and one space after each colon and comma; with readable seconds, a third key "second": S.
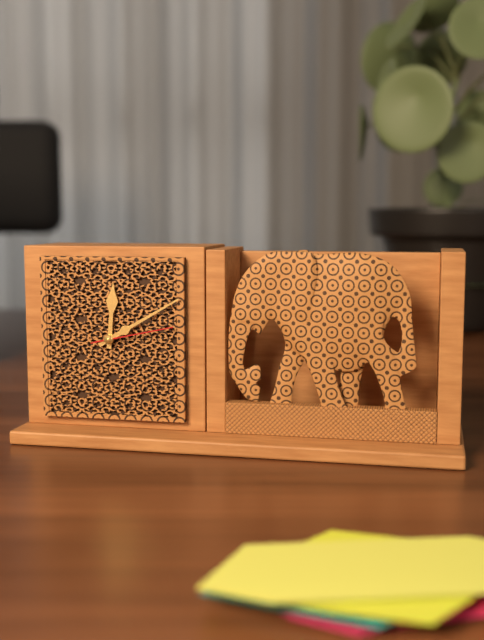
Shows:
{"hour": 12, "minute": 10, "second": 13}
